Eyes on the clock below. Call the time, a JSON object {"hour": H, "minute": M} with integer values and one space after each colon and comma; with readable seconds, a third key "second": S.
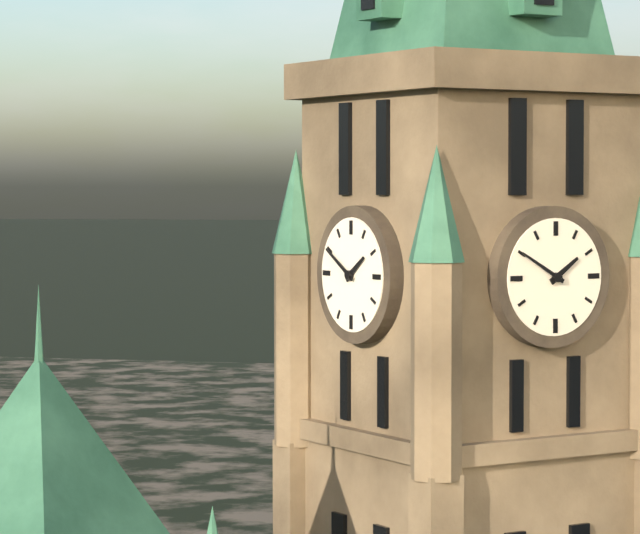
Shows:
{"hour": 1, "minute": 50}
